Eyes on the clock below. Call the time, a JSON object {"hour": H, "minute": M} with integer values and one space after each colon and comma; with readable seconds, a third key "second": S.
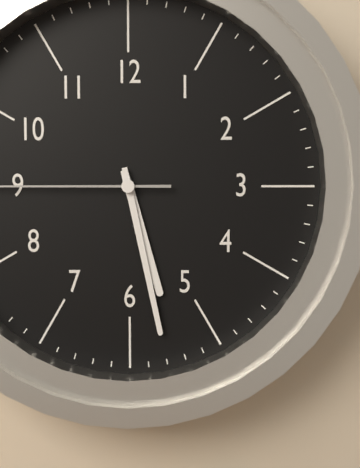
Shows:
{"hour": 5, "minute": 28}
